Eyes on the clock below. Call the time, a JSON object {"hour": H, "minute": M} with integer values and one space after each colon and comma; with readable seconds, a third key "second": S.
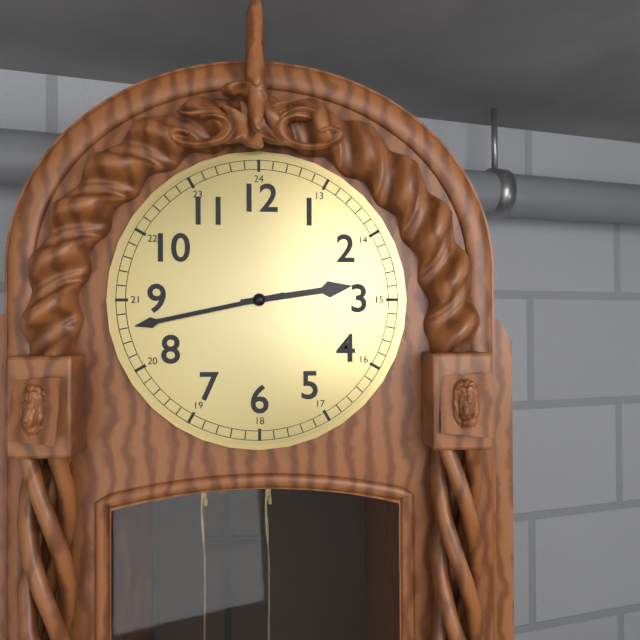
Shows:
{"hour": 2, "minute": 43}
